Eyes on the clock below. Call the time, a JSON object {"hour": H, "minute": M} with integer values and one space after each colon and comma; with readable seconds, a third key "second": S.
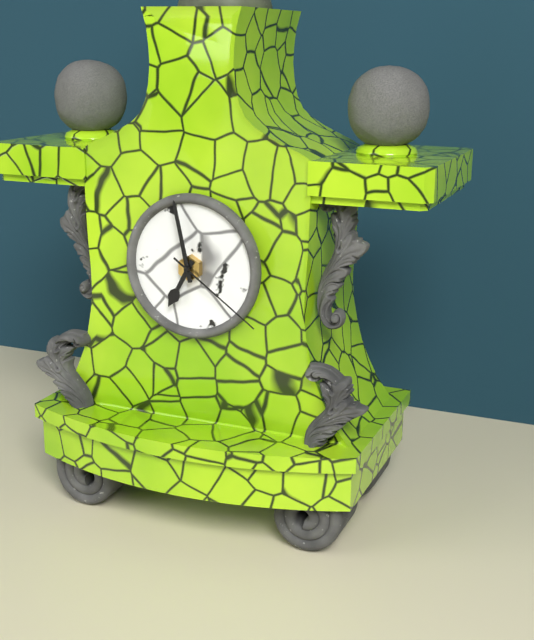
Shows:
{"hour": 6, "minute": 58, "second": 21}
